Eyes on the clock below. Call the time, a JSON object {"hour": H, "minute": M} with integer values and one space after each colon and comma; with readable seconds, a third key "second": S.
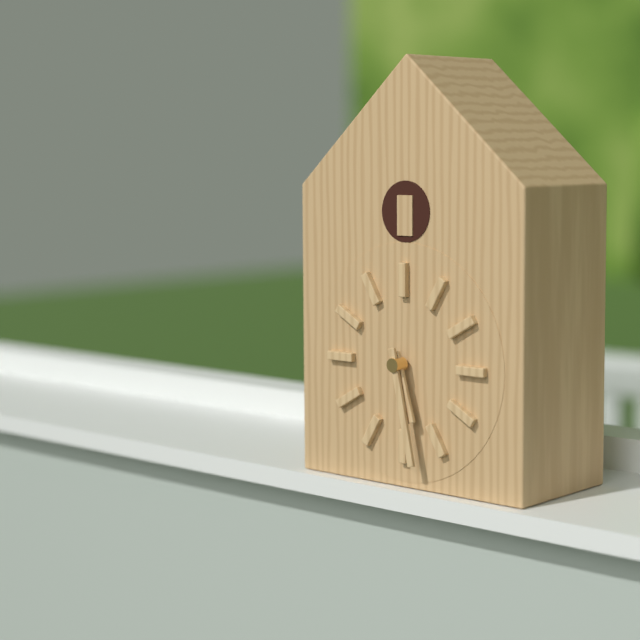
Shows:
{"hour": 5, "minute": 28}
